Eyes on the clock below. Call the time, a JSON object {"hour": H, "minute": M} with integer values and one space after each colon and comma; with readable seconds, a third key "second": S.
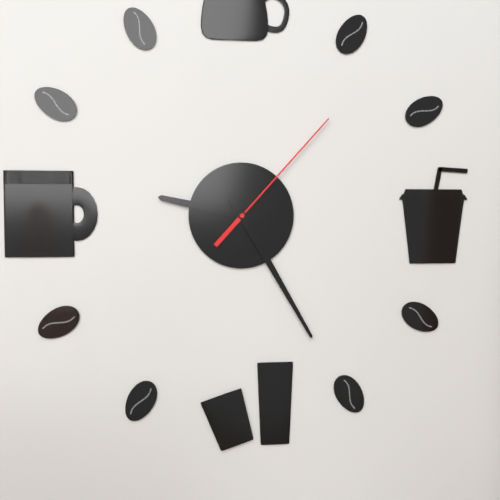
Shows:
{"hour": 9, "minute": 25, "second": 7}
